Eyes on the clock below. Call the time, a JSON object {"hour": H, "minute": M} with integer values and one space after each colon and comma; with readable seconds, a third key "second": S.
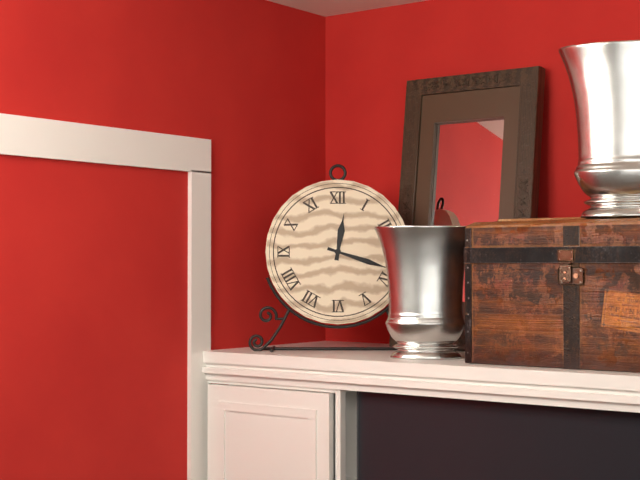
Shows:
{"hour": 12, "minute": 18}
